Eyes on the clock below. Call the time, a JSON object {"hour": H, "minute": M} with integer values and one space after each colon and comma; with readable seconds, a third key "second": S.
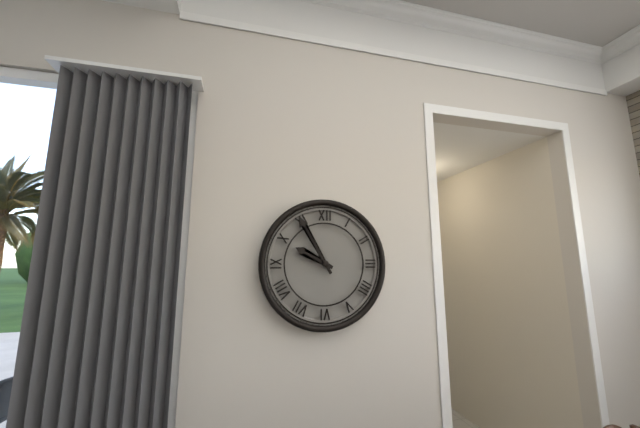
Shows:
{"hour": 9, "minute": 55}
